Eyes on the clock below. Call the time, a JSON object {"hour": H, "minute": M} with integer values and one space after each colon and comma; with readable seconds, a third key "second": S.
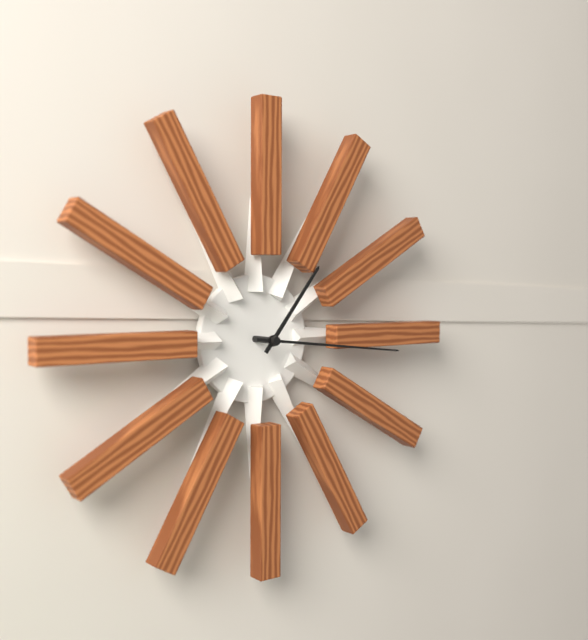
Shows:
{"hour": 1, "minute": 16}
